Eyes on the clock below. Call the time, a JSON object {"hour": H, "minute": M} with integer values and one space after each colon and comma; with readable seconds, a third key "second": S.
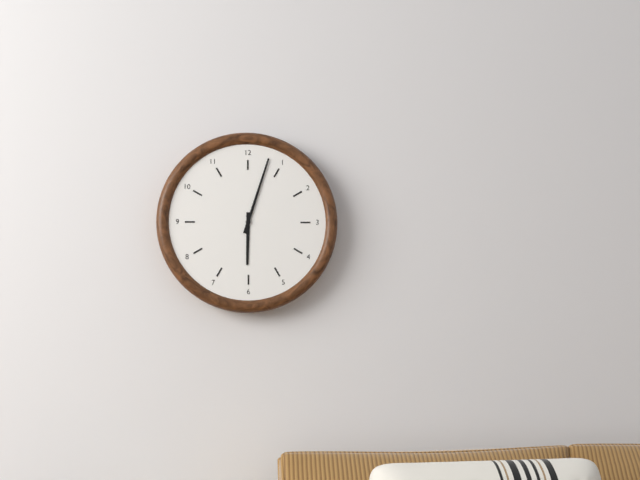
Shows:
{"hour": 6, "minute": 3}
